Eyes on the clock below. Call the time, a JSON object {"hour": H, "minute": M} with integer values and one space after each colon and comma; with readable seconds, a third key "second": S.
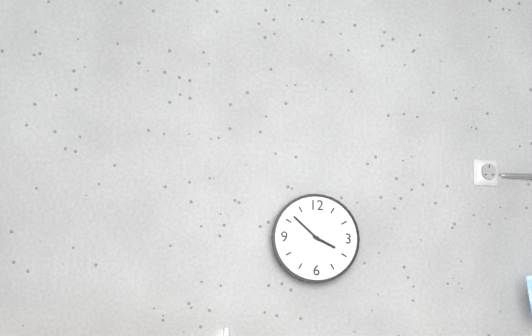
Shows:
{"hour": 3, "minute": 52}
